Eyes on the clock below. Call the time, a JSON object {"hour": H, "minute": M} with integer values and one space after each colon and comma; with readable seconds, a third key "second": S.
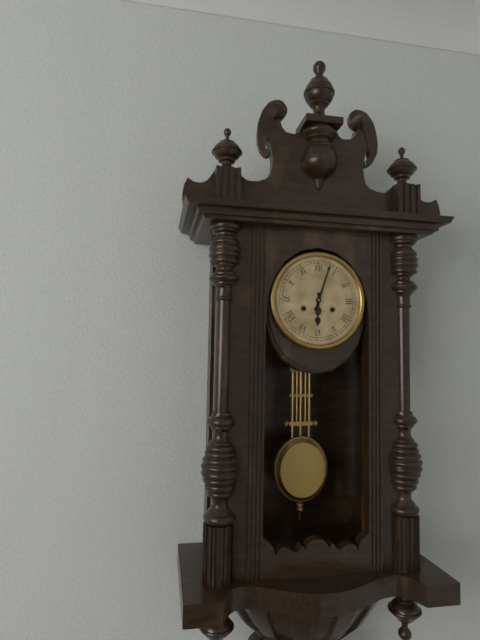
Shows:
{"hour": 6, "minute": 3}
